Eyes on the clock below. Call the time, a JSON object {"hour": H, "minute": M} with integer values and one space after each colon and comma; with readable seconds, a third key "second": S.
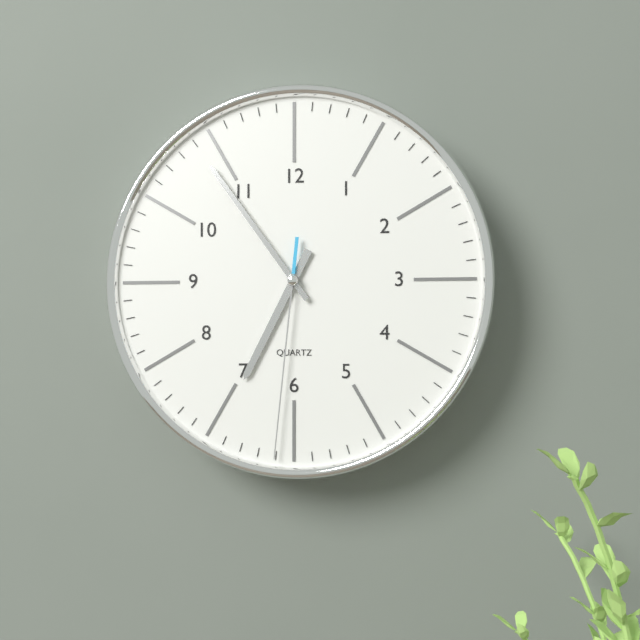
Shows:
{"hour": 6, "minute": 54, "second": 31}
